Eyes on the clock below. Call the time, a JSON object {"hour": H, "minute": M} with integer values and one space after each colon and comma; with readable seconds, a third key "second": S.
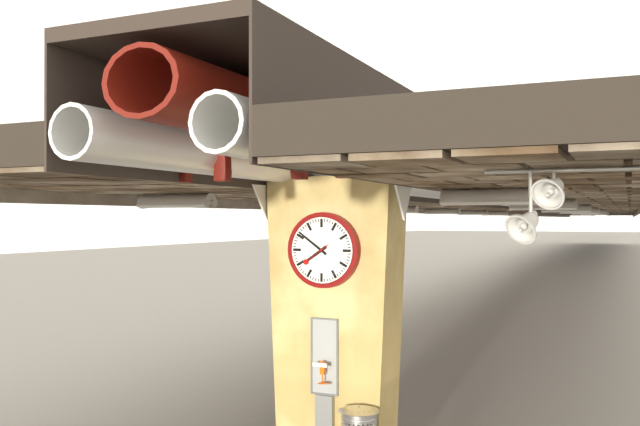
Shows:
{"hour": 7, "minute": 51}
